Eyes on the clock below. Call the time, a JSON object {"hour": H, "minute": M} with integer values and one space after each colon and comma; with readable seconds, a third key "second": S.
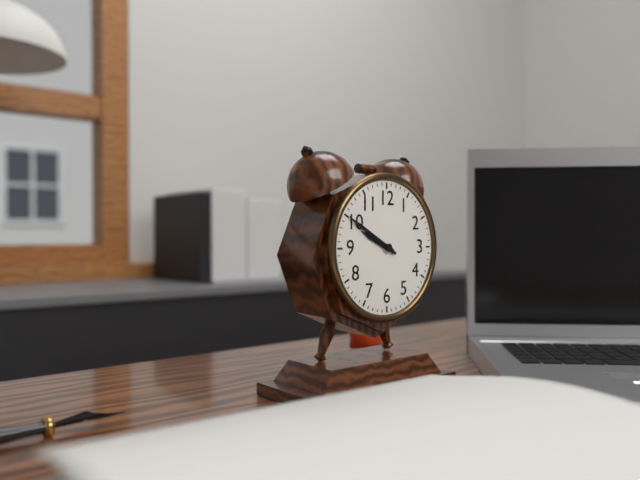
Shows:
{"hour": 9, "minute": 50}
